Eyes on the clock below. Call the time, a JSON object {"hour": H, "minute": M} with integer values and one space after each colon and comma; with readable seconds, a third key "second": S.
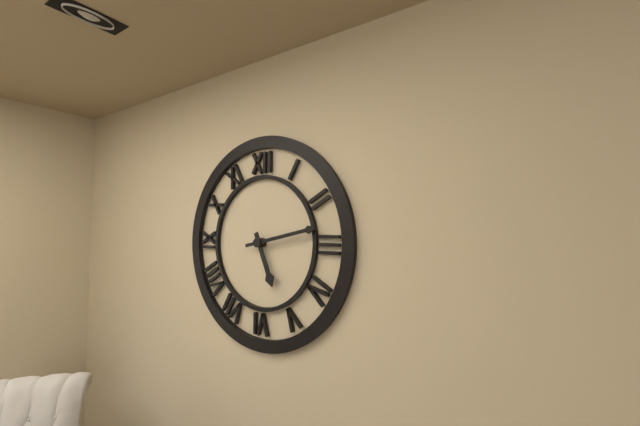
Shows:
{"hour": 5, "minute": 13}
